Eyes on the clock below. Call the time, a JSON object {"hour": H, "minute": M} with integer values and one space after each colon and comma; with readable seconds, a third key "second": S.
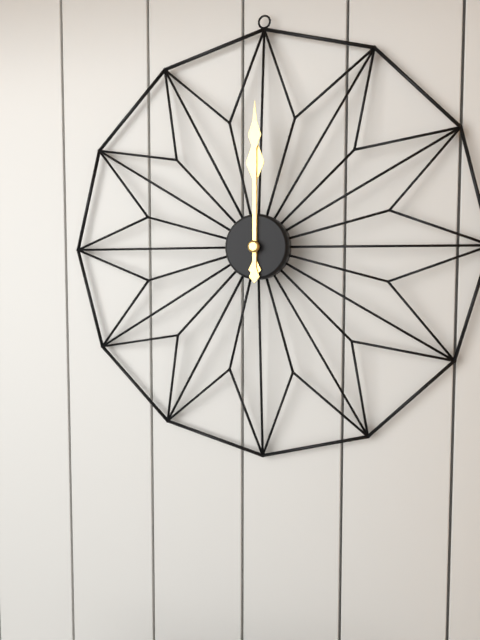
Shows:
{"hour": 12, "minute": 0}
